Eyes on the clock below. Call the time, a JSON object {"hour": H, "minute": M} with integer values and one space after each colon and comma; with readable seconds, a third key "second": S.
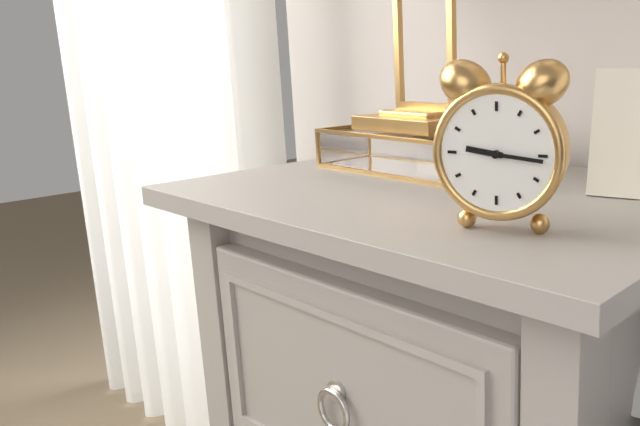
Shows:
{"hour": 9, "minute": 16}
